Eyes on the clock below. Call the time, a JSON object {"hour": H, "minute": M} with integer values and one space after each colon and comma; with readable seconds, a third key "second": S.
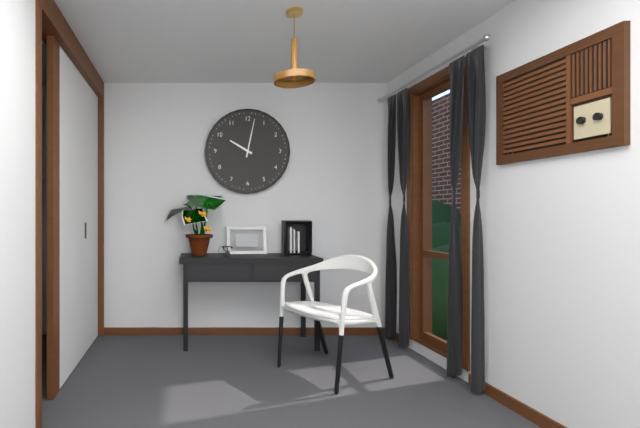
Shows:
{"hour": 10, "minute": 2}
